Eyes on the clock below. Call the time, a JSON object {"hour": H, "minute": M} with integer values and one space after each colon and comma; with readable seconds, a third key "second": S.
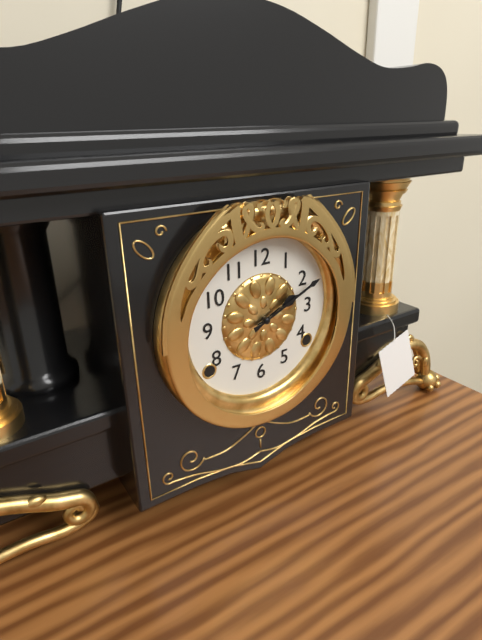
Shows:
{"hour": 2, "minute": 11}
